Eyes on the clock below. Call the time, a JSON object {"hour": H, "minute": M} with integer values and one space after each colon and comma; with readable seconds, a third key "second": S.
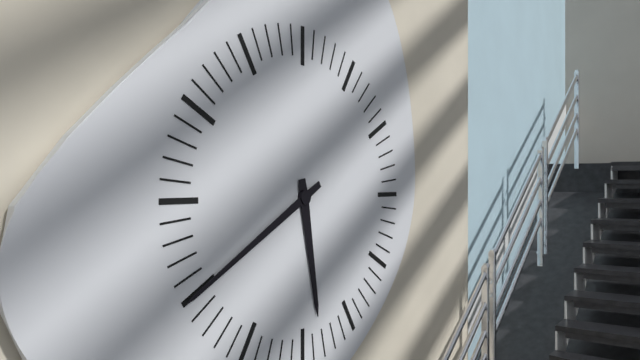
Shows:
{"hour": 5, "minute": 40}
